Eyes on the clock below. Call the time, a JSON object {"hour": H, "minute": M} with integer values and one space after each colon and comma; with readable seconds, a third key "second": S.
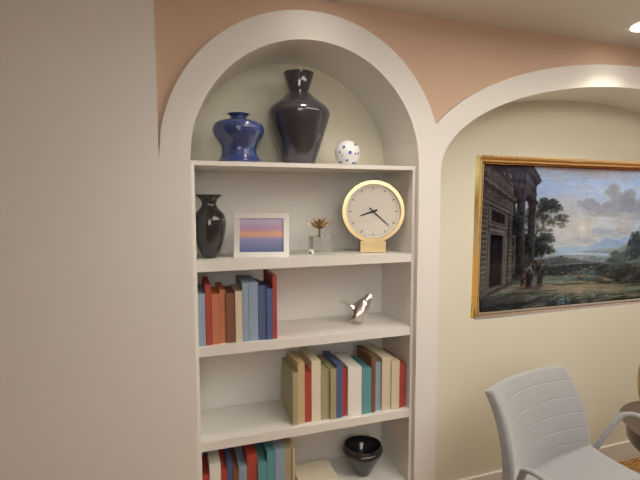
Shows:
{"hour": 8, "minute": 22}
